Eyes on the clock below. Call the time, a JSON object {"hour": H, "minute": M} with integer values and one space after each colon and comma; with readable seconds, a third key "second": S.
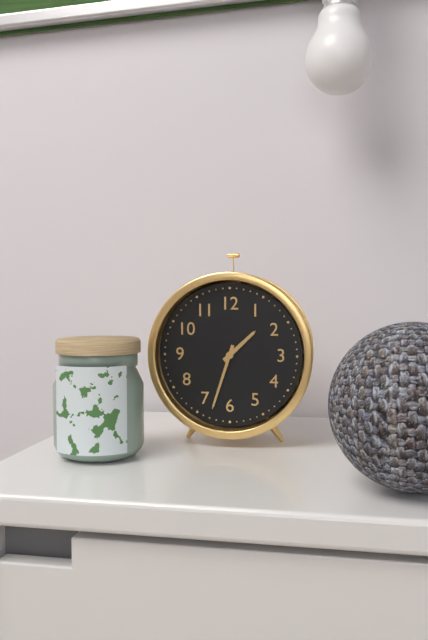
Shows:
{"hour": 1, "minute": 33}
